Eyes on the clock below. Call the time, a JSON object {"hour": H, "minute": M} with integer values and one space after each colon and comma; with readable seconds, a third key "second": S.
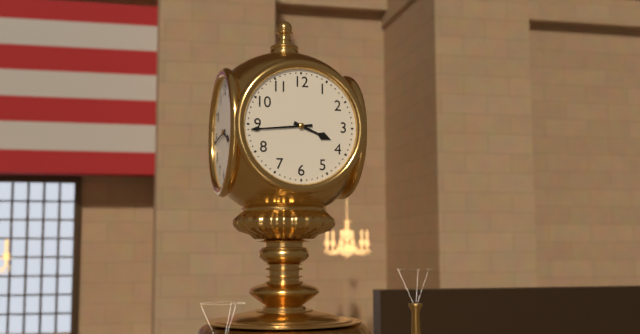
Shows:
{"hour": 3, "minute": 44}
